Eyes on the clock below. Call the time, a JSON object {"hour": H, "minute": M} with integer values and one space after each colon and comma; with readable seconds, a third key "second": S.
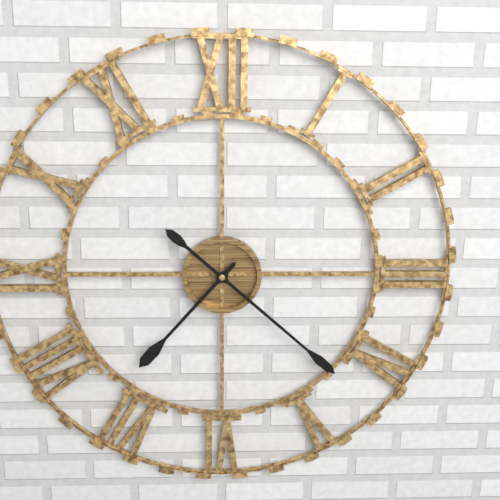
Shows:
{"hour": 7, "minute": 22}
